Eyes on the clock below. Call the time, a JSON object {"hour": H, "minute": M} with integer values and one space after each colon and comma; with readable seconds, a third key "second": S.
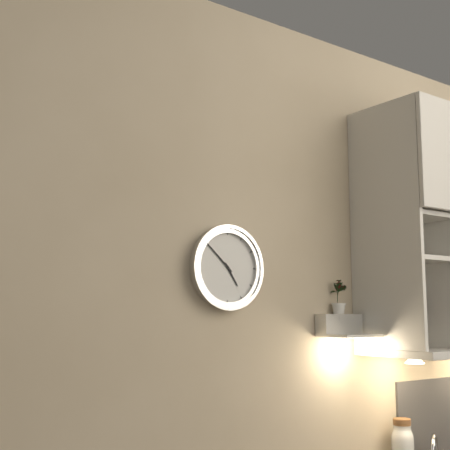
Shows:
{"hour": 4, "minute": 52}
